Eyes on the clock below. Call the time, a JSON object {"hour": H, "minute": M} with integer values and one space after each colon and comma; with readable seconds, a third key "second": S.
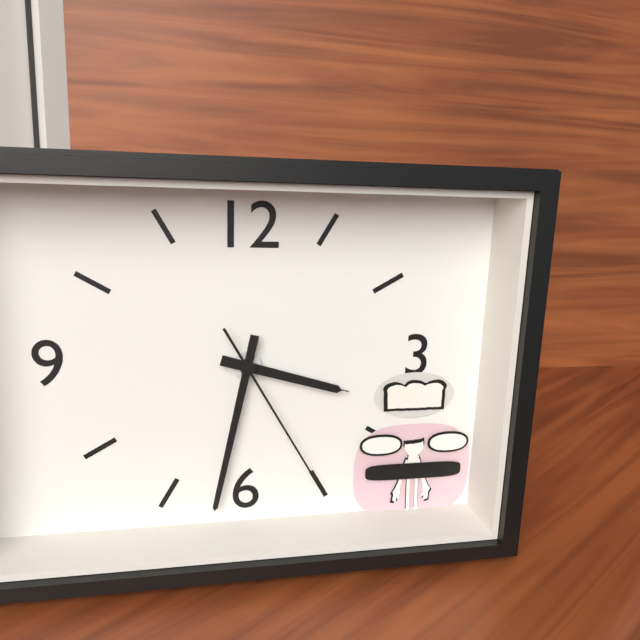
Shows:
{"hour": 3, "minute": 32, "second": 25}
